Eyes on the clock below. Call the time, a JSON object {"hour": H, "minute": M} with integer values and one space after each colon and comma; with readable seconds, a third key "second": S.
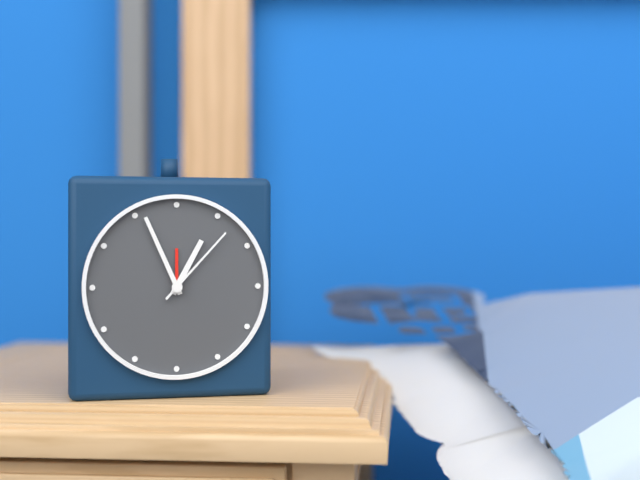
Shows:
{"hour": 12, "minute": 56, "second": 7}
